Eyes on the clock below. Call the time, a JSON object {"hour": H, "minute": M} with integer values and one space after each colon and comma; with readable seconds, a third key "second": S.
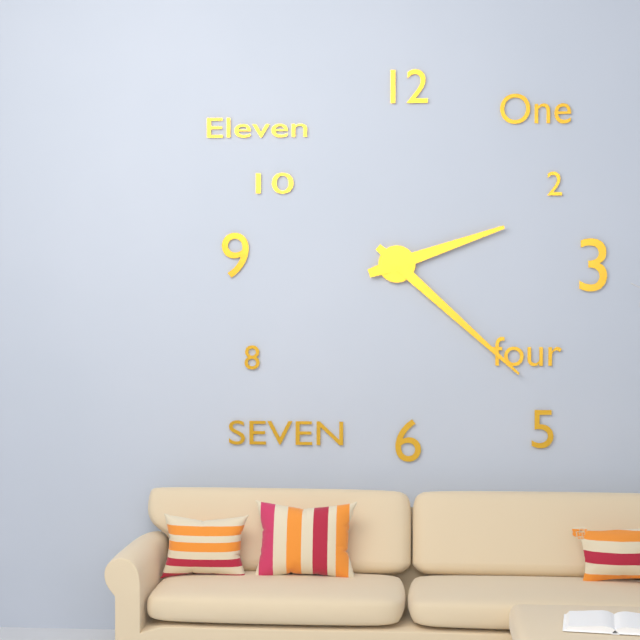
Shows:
{"hour": 2, "minute": 22}
